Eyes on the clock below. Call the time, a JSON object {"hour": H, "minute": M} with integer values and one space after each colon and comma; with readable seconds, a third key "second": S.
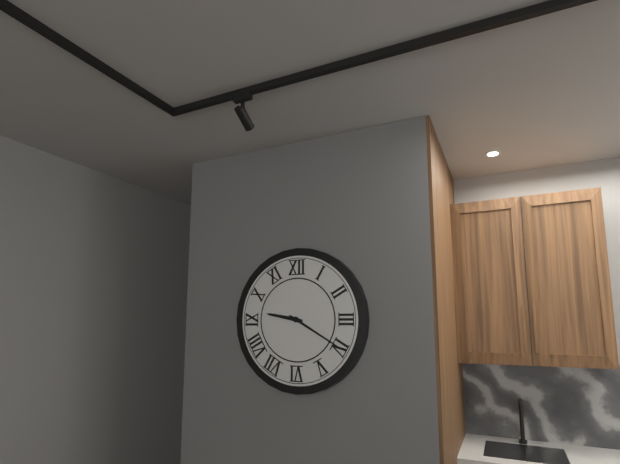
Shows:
{"hour": 9, "minute": 20}
